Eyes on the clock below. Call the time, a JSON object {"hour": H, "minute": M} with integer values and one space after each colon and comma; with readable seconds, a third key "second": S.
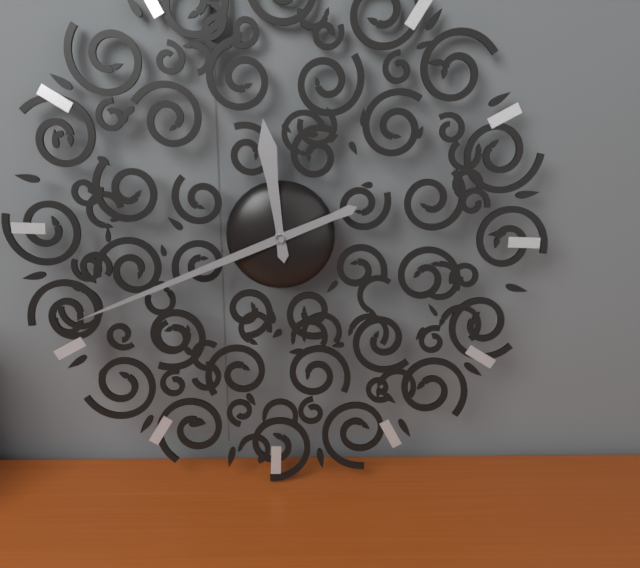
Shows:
{"hour": 11, "minute": 41}
